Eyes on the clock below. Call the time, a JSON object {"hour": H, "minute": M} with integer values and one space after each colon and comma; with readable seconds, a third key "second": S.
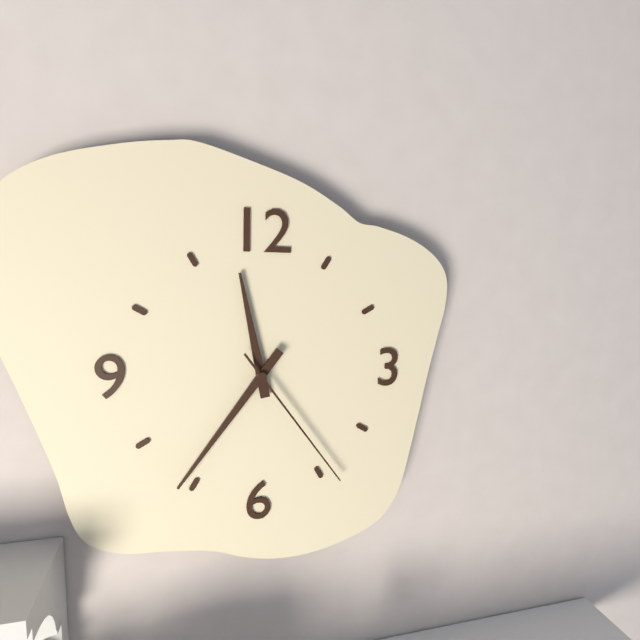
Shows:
{"hour": 11, "minute": 36, "second": 24}
